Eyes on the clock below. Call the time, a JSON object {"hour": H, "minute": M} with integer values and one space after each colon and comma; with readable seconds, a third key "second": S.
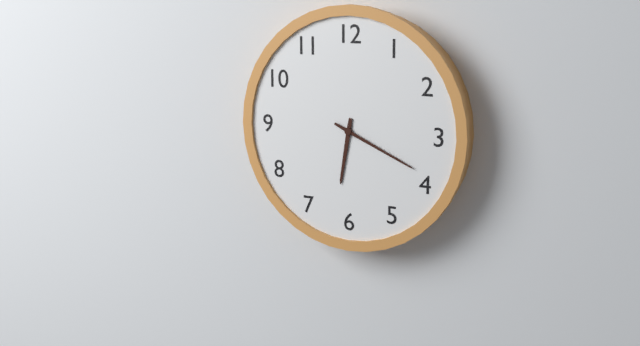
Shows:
{"hour": 6, "minute": 19}
